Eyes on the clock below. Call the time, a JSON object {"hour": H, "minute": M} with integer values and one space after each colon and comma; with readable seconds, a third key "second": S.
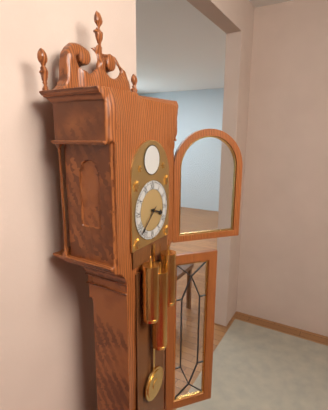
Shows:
{"hour": 3, "minute": 38}
